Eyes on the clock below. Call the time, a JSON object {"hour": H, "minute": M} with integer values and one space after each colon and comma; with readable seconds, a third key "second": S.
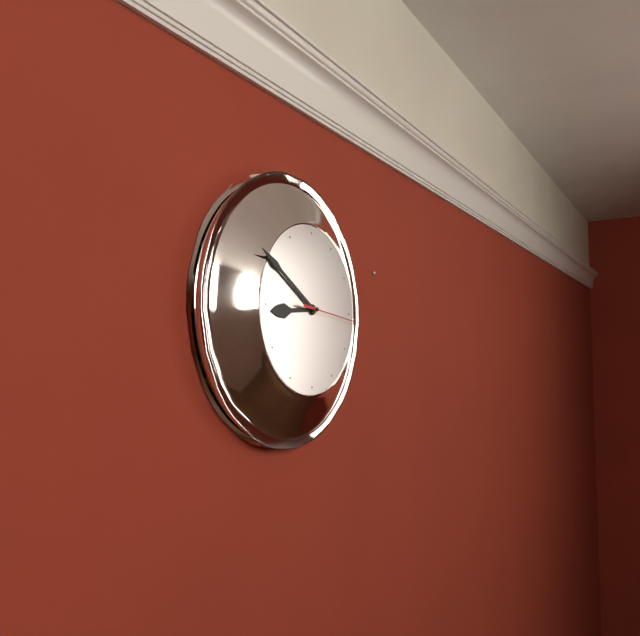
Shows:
{"hour": 8, "minute": 50, "second": 16}
